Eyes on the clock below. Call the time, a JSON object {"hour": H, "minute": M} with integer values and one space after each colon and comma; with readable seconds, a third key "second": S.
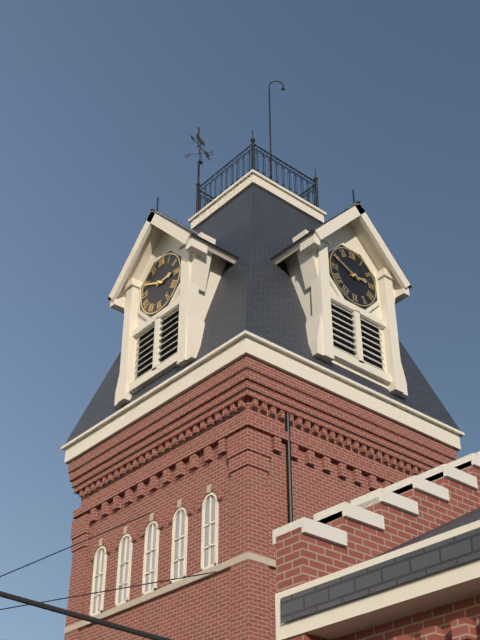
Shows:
{"hour": 2, "minute": 49}
